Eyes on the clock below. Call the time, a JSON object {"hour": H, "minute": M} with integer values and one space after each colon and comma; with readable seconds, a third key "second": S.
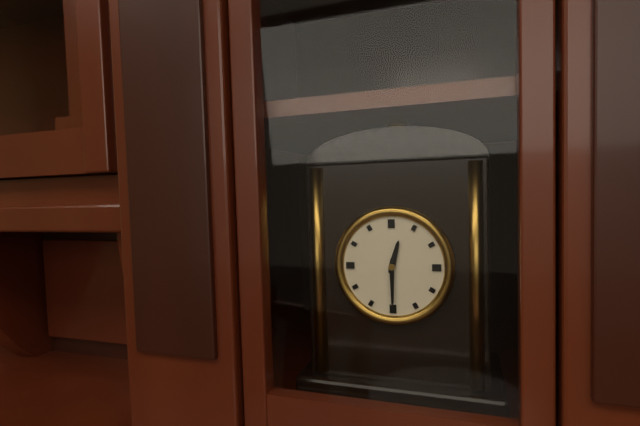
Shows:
{"hour": 12, "minute": 30}
